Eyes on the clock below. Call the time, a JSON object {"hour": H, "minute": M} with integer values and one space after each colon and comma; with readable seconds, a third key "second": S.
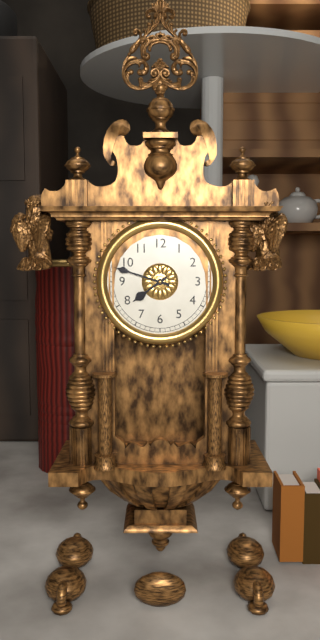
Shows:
{"hour": 7, "minute": 48}
